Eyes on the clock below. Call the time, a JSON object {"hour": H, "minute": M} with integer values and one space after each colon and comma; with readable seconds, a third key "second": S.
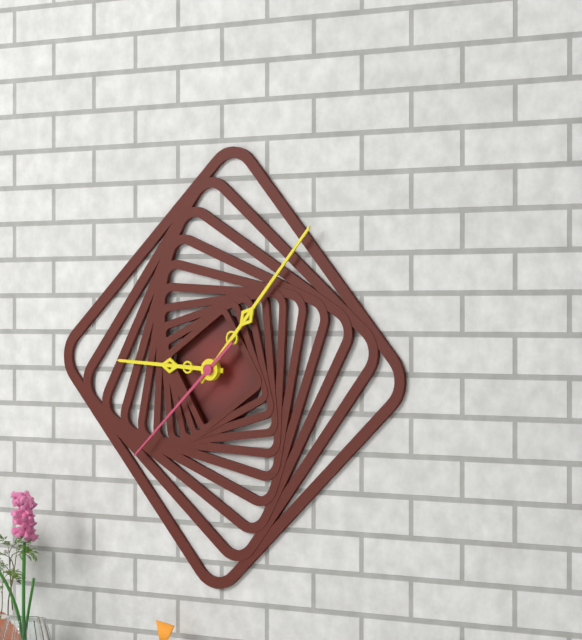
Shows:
{"hour": 9, "minute": 7, "second": 38}
